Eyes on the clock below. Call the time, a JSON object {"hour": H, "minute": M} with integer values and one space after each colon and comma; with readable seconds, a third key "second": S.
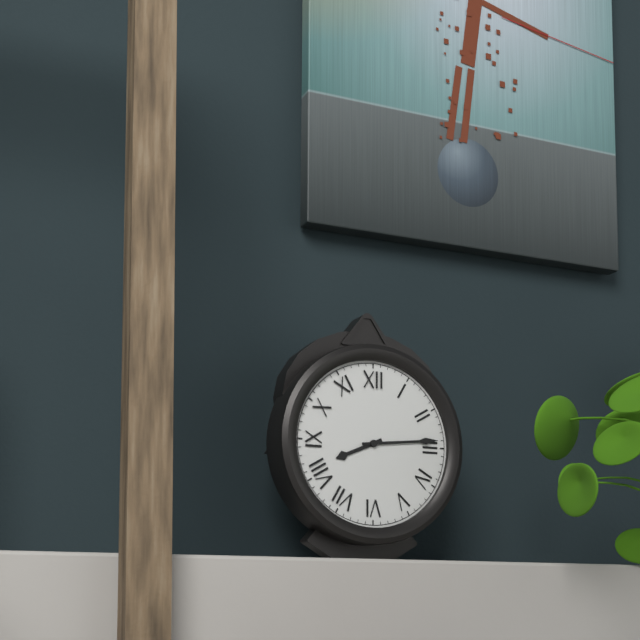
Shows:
{"hour": 8, "minute": 14}
